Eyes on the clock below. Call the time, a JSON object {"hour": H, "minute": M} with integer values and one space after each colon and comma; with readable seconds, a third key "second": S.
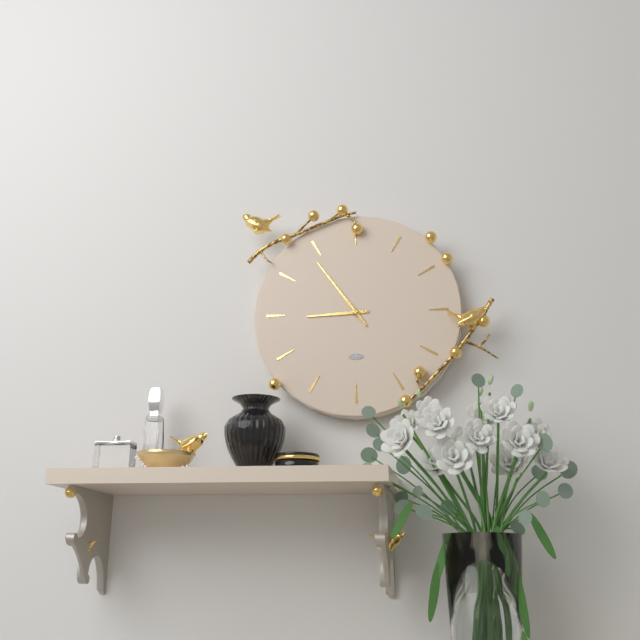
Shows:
{"hour": 8, "minute": 54}
